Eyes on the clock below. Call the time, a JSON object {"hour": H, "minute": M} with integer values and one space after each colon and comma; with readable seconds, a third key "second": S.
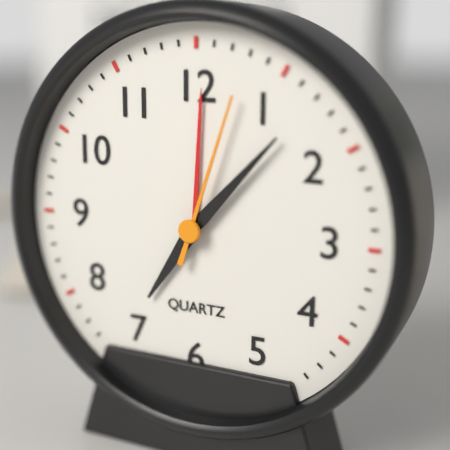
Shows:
{"hour": 7, "minute": 7, "second": 3}
